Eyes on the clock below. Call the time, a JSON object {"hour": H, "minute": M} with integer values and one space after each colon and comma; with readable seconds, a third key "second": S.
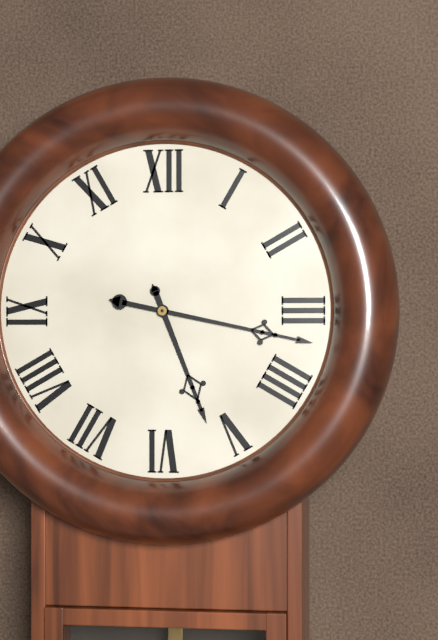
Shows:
{"hour": 5, "minute": 17}
